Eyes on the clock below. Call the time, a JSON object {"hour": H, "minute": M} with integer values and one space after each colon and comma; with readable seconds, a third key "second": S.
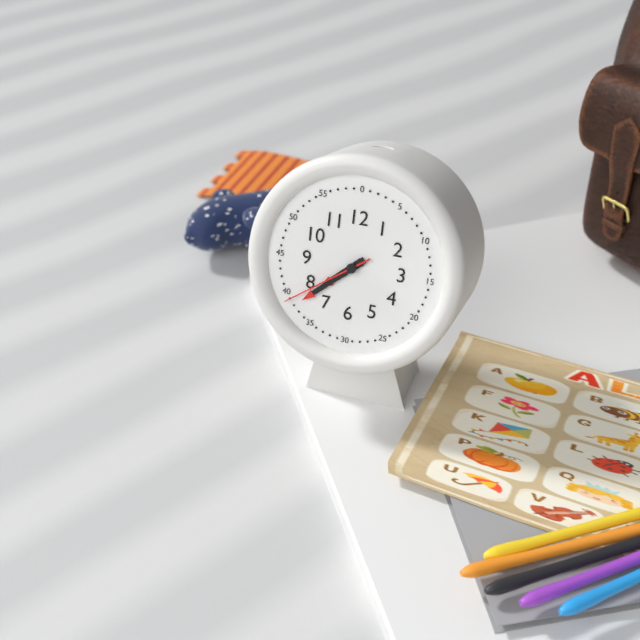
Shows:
{"hour": 7, "minute": 38, "second": 39}
